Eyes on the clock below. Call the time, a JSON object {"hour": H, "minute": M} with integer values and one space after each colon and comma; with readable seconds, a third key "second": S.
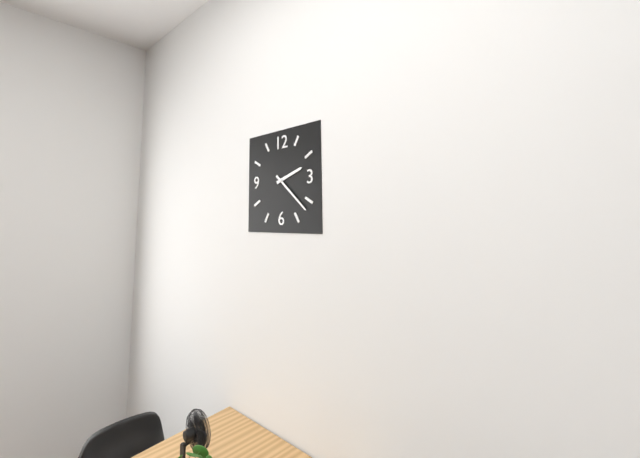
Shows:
{"hour": 2, "minute": 22}
